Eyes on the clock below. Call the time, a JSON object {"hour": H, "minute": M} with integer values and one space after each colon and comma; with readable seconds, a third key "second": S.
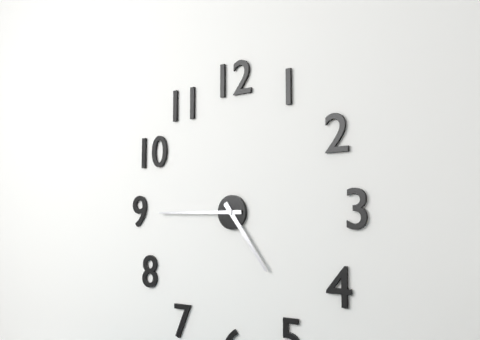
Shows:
{"hour": 4, "minute": 45}
